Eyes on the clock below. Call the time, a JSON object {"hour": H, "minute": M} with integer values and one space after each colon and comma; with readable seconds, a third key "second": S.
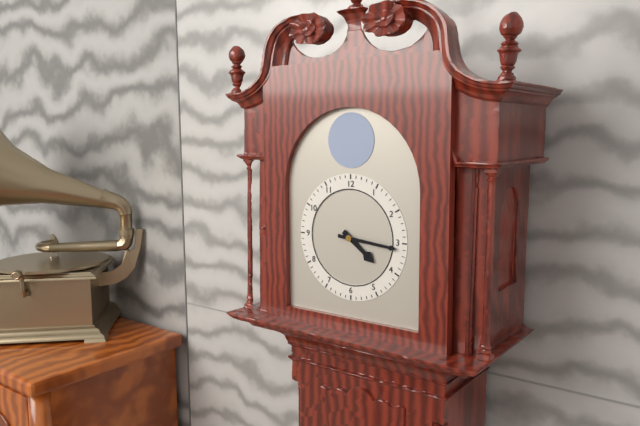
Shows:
{"hour": 4, "minute": 16}
